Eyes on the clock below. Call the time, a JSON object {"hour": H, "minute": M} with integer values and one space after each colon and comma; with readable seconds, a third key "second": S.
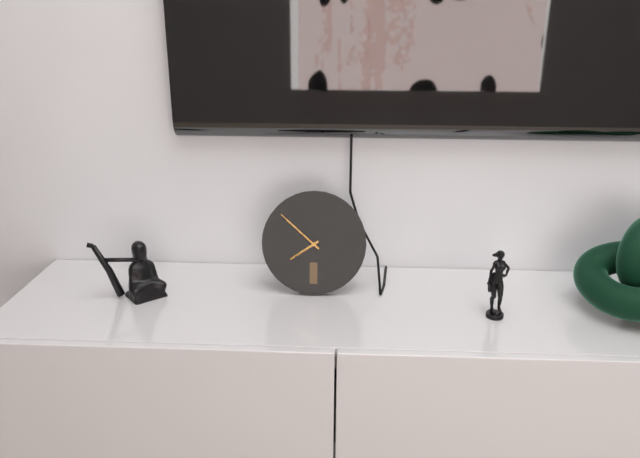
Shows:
{"hour": 7, "minute": 52}
